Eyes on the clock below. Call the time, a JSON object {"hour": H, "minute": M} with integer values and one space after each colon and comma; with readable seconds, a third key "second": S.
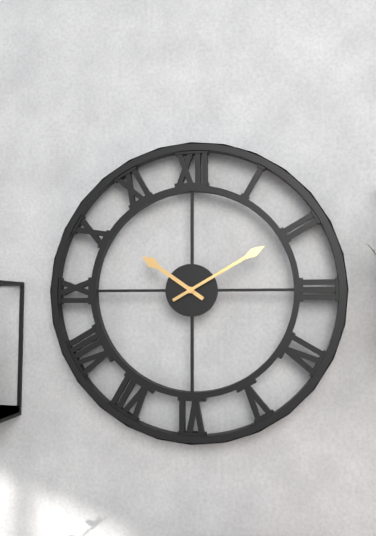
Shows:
{"hour": 10, "minute": 10}
